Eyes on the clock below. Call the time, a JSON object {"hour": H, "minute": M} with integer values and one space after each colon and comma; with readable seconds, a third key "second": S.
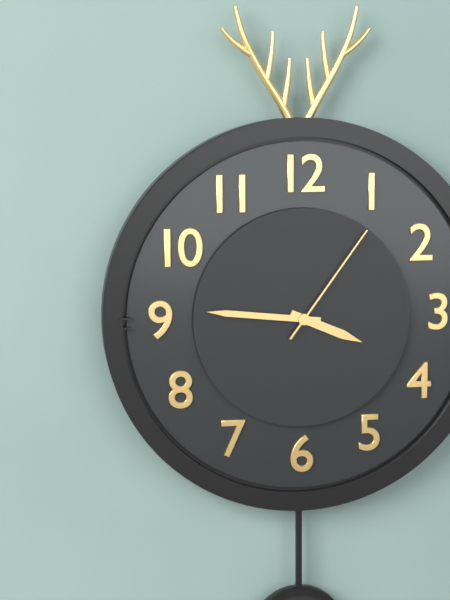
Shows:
{"hour": 3, "minute": 46, "second": 6}
